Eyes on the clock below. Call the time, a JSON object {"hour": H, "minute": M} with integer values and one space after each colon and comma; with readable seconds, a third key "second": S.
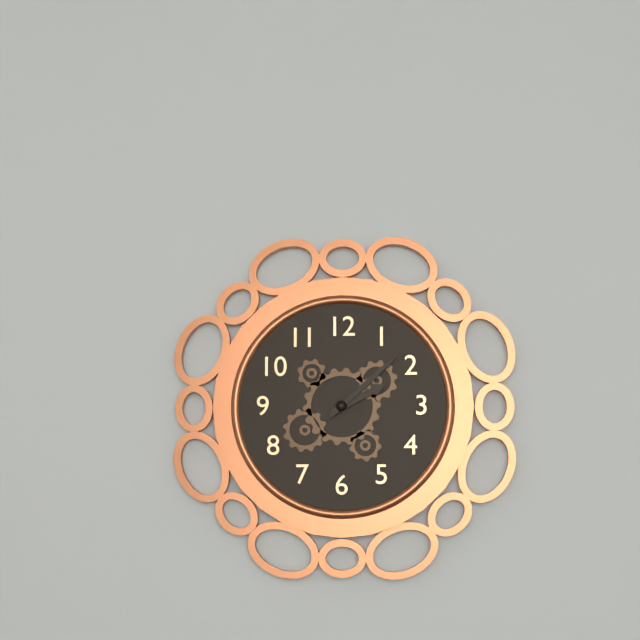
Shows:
{"hour": 2, "minute": 8}
